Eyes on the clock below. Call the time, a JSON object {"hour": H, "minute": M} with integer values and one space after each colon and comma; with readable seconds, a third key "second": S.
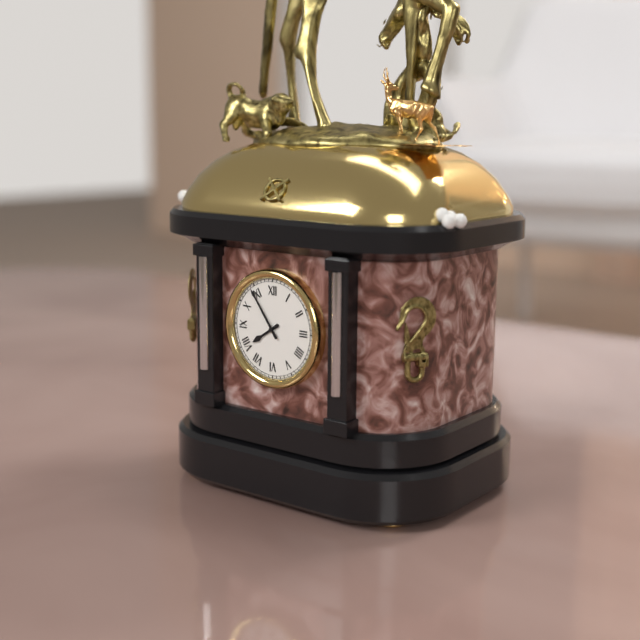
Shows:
{"hour": 7, "minute": 54}
